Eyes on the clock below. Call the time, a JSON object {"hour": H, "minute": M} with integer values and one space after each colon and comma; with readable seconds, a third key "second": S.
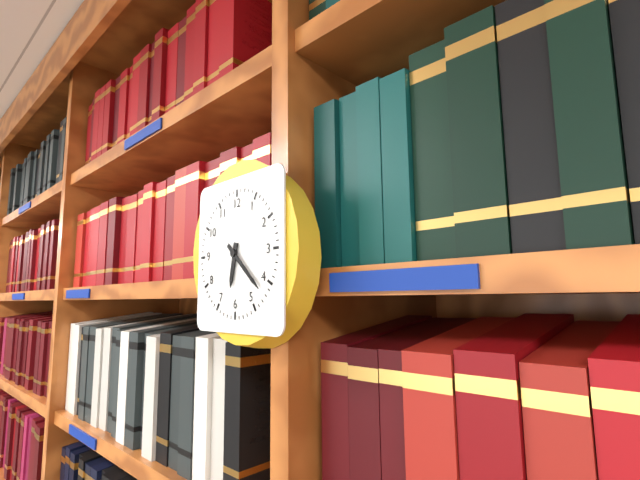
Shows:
{"hour": 6, "minute": 22}
